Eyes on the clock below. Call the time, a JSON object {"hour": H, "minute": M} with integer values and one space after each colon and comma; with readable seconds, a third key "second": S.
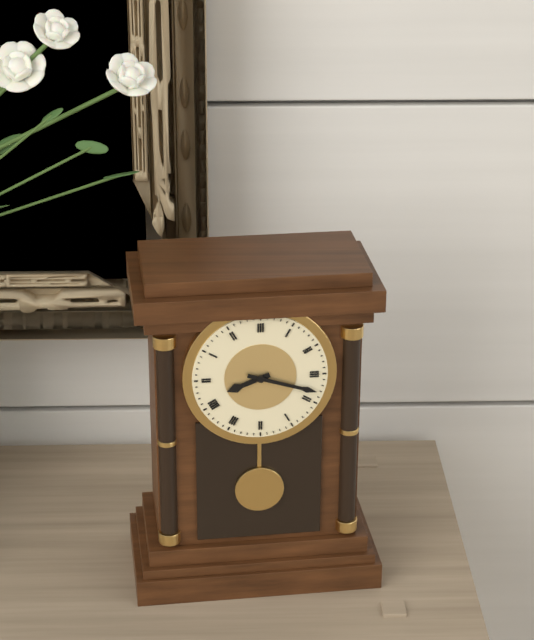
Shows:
{"hour": 8, "minute": 18}
